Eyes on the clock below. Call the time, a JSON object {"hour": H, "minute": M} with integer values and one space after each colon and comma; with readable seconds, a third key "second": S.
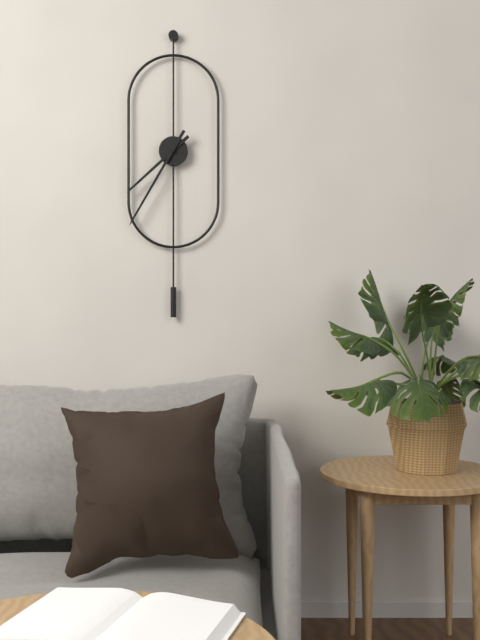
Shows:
{"hour": 7, "minute": 35}
